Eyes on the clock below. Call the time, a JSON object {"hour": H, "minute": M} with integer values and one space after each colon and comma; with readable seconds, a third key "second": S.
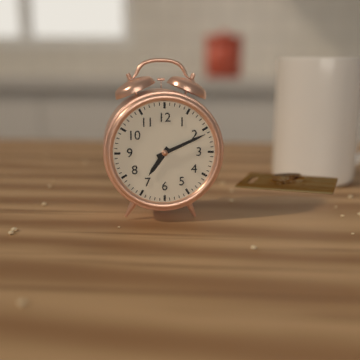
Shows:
{"hour": 7, "minute": 11}
